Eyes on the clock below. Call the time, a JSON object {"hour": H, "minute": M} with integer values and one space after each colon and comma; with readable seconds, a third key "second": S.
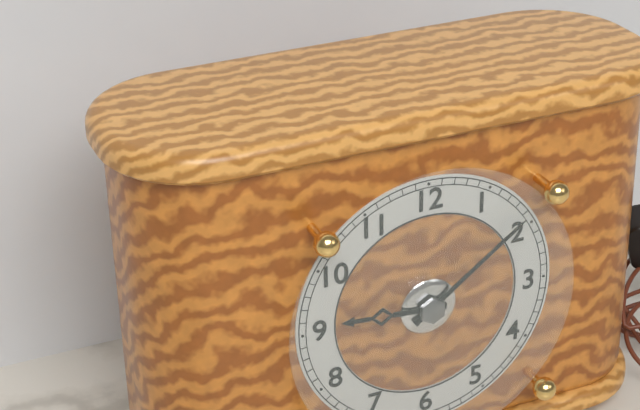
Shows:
{"hour": 9, "minute": 9}
